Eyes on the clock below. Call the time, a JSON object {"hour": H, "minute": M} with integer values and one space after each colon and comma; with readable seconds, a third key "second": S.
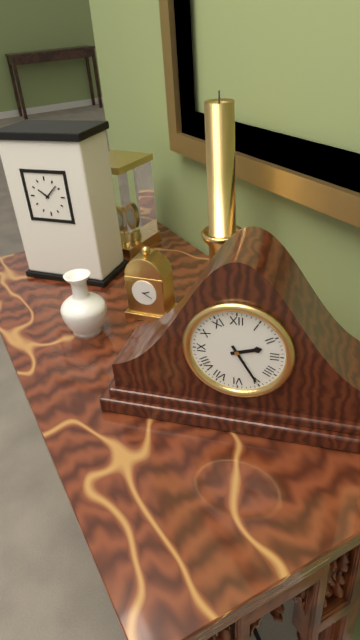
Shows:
{"hour": 2, "minute": 25}
